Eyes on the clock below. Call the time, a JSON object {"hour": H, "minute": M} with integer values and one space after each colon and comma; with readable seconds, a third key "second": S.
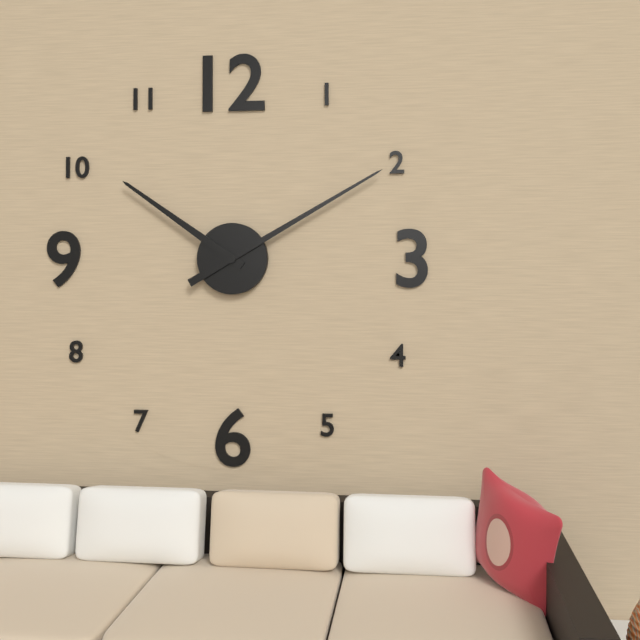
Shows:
{"hour": 10, "minute": 10}
